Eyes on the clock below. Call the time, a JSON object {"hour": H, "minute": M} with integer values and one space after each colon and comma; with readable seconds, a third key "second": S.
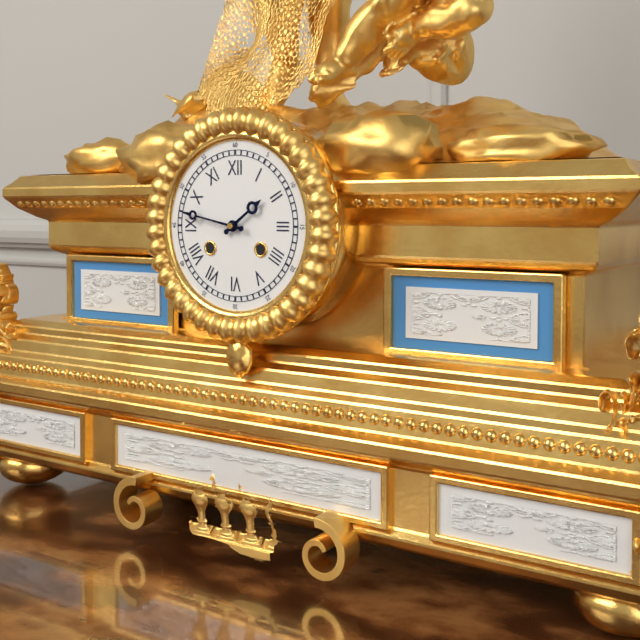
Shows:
{"hour": 1, "minute": 47}
